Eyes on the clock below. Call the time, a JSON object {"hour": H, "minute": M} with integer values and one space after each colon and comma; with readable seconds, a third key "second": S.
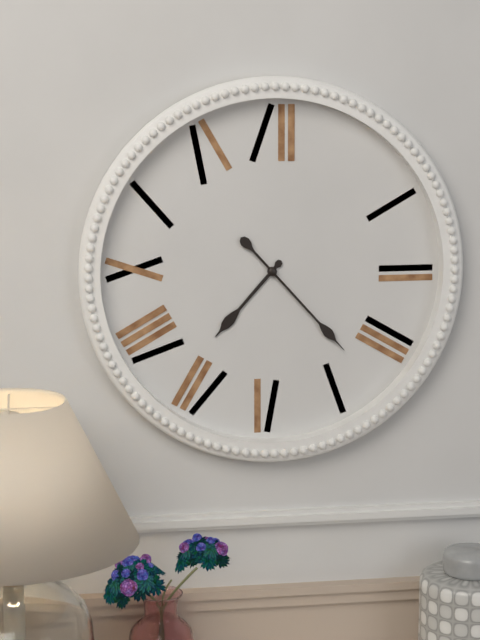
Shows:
{"hour": 7, "minute": 23}
